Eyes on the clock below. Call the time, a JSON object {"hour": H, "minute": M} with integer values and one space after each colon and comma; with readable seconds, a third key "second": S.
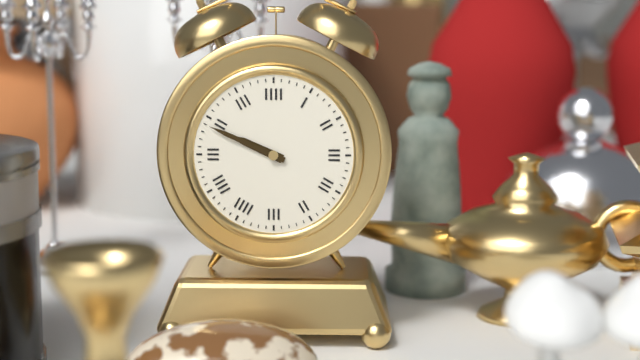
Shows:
{"hour": 9, "minute": 49}
